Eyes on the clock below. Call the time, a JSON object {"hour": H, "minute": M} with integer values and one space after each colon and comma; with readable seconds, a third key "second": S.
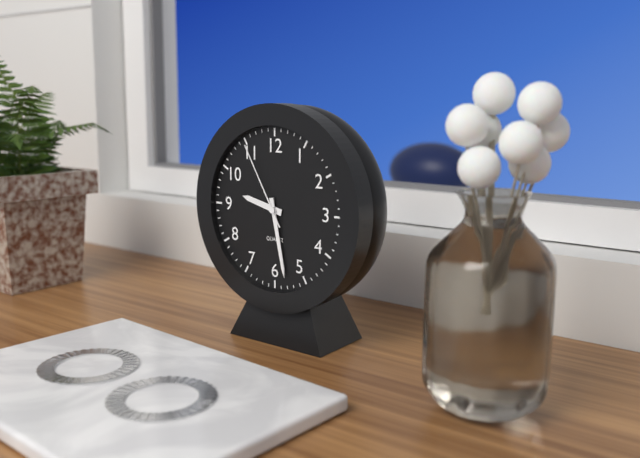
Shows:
{"hour": 9, "minute": 28, "second": 55}
